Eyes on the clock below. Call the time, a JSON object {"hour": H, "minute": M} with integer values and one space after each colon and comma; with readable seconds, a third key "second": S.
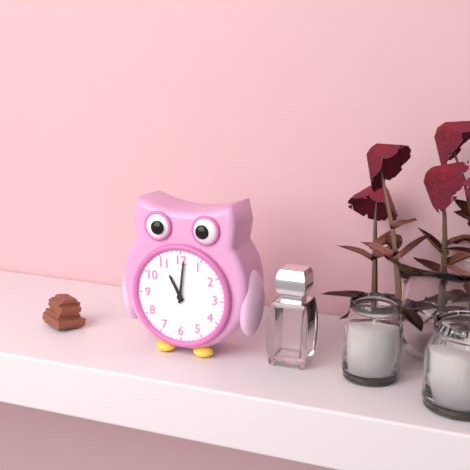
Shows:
{"hour": 11, "minute": 1}
